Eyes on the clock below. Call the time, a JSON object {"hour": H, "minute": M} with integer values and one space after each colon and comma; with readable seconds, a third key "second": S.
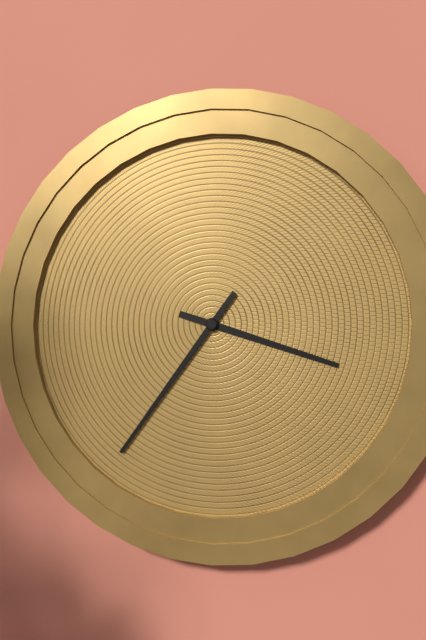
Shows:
{"hour": 3, "minute": 36}
